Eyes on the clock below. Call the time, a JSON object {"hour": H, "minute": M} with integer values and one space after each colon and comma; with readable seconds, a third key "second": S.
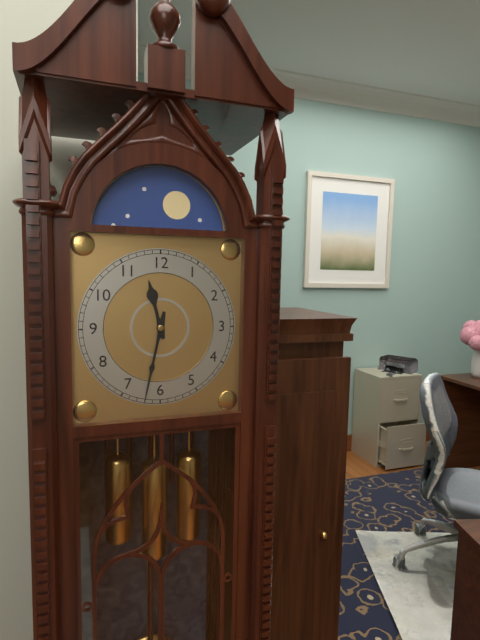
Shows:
{"hour": 11, "minute": 32}
